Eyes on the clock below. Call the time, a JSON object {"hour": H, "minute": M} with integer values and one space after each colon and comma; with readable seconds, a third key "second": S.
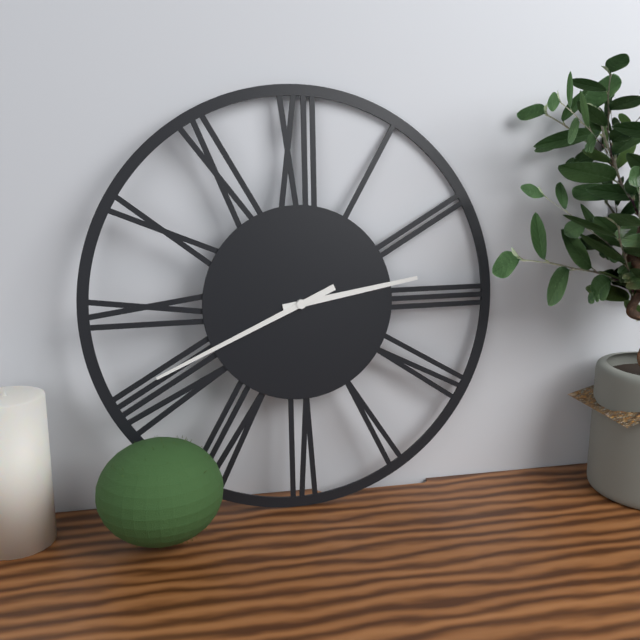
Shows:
{"hour": 2, "minute": 41}
